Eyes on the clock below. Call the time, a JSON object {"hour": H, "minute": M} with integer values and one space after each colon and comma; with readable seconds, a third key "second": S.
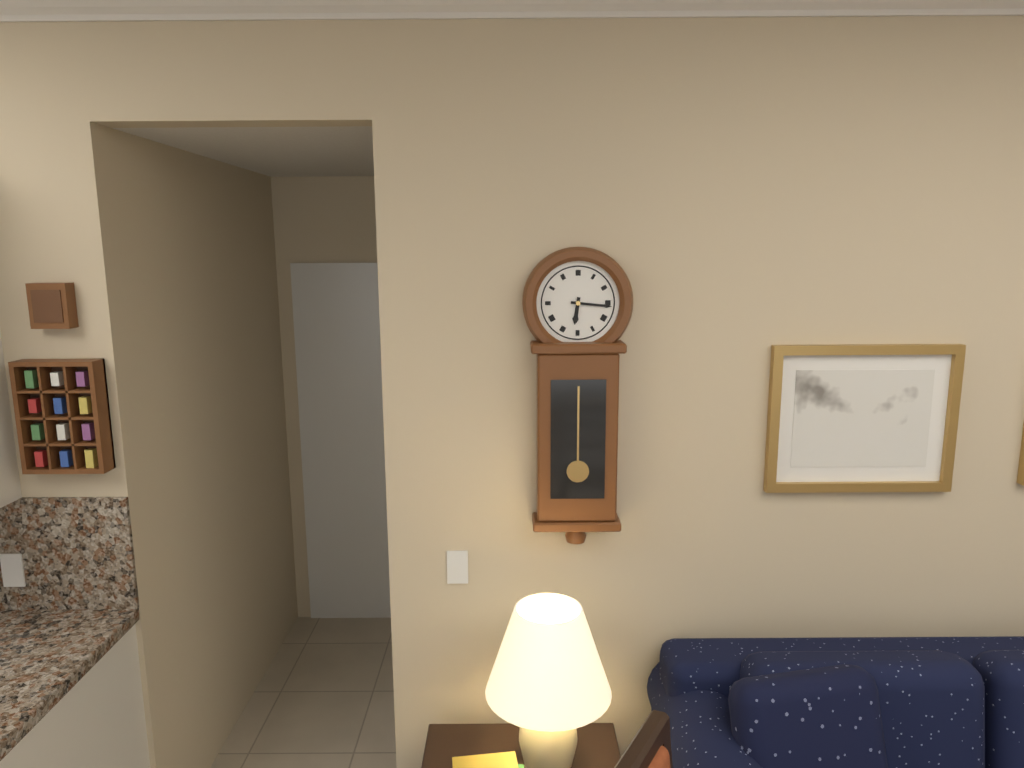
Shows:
{"hour": 6, "minute": 16}
